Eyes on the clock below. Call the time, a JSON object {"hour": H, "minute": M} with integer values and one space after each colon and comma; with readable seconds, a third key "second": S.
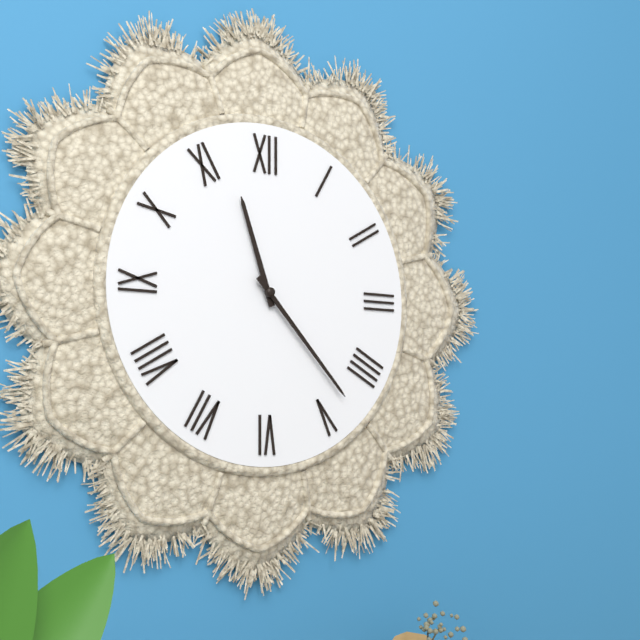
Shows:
{"hour": 11, "minute": 23}
